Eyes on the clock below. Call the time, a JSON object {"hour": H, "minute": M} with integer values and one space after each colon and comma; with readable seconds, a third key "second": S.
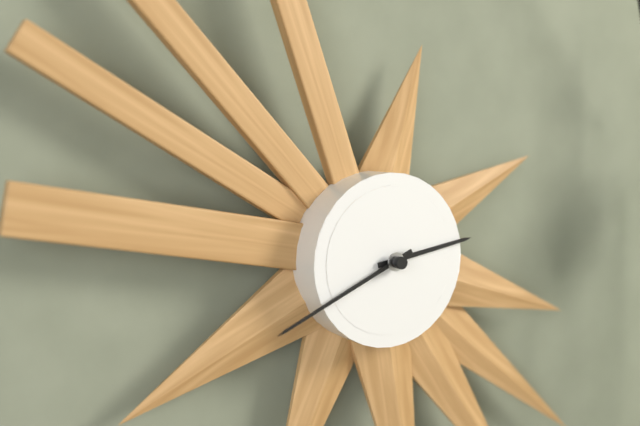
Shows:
{"hour": 2, "minute": 41}
